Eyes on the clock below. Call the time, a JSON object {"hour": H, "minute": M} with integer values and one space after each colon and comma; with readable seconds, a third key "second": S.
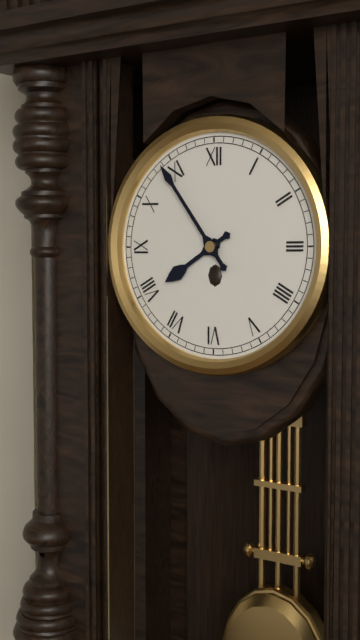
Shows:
{"hour": 7, "minute": 54}
